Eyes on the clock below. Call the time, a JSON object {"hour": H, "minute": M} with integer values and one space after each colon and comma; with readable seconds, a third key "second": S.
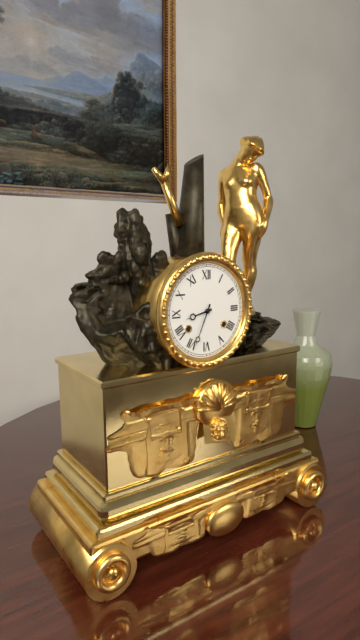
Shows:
{"hour": 8, "minute": 34}
